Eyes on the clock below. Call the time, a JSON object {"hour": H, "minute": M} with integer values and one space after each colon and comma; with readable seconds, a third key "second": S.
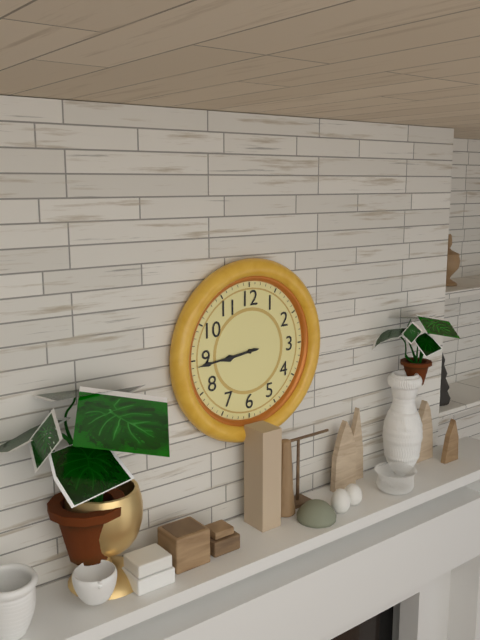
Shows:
{"hour": 8, "minute": 44}
